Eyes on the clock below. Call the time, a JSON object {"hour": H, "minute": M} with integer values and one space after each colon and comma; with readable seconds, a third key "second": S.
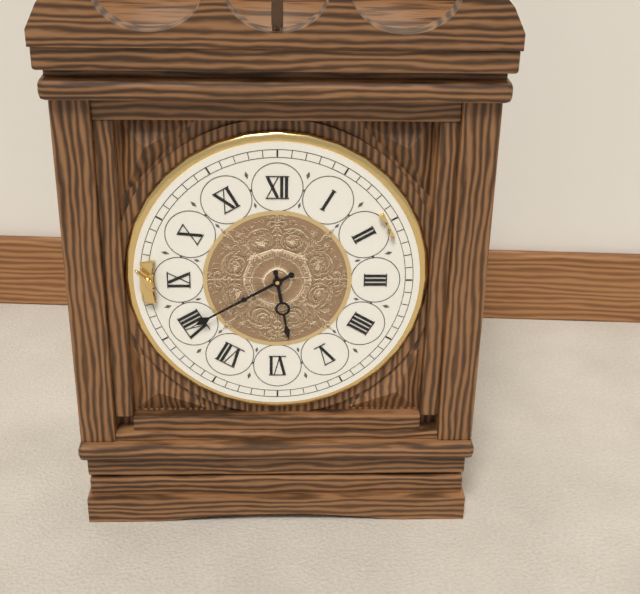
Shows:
{"hour": 5, "minute": 40}
